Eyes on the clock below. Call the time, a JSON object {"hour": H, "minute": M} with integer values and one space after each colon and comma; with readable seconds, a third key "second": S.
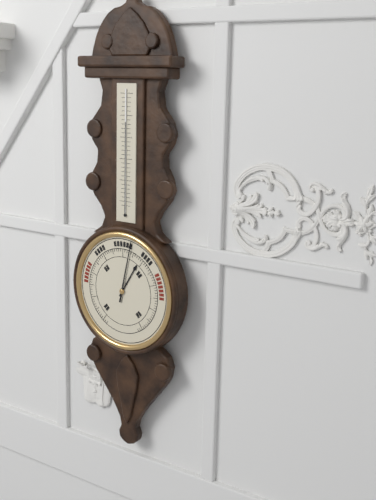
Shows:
{"hour": 1, "minute": 2}
